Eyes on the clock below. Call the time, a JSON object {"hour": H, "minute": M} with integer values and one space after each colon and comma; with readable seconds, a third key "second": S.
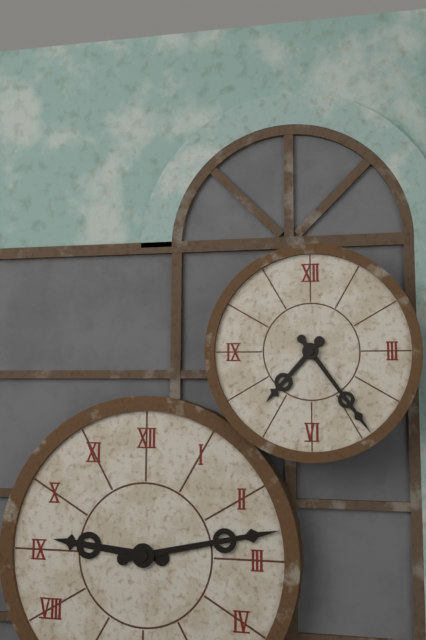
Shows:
{"hour": 7, "minute": 24}
